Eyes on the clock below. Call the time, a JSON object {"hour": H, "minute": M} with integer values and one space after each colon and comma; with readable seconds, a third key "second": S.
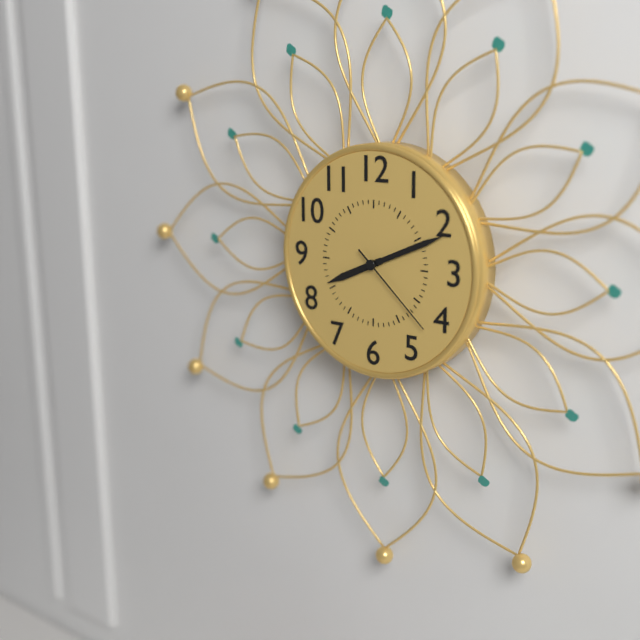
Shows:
{"hour": 8, "minute": 11, "second": 22}
